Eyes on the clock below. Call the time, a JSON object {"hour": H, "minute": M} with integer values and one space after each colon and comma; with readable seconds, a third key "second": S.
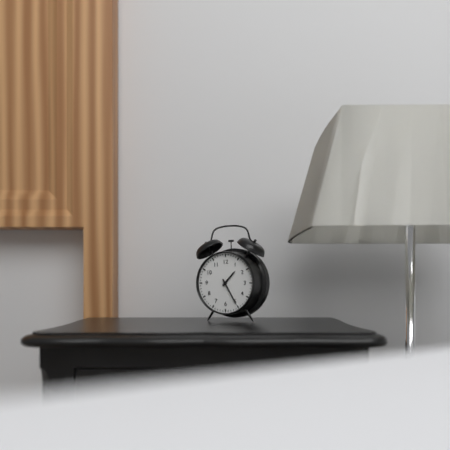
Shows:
{"hour": 1, "minute": 25}
